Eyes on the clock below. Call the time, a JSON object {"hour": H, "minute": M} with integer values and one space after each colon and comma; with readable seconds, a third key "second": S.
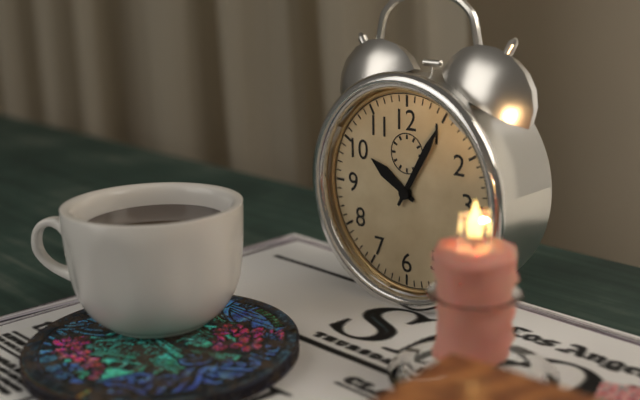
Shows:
{"hour": 10, "minute": 5}
